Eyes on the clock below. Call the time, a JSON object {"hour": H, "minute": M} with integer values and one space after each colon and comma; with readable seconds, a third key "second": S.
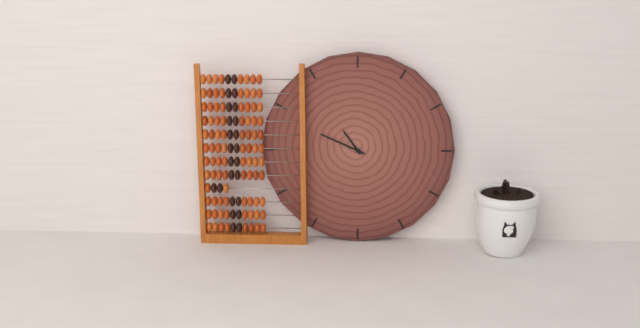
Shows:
{"hour": 10, "minute": 49}
